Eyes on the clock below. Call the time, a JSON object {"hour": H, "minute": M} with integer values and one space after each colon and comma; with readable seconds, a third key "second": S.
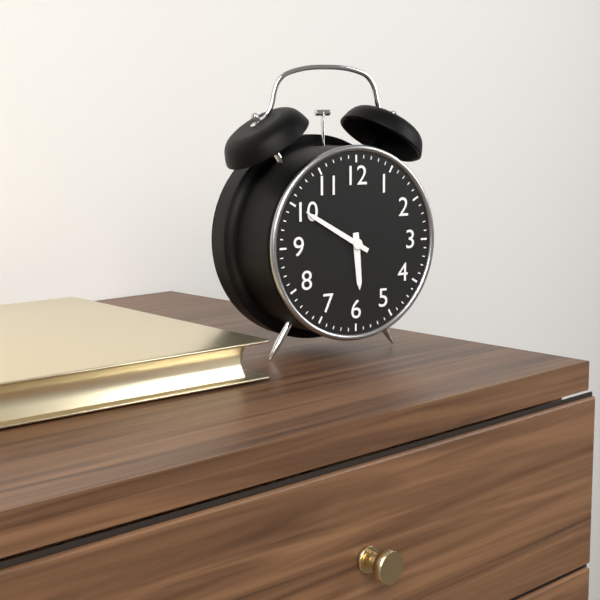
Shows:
{"hour": 5, "minute": 50}
